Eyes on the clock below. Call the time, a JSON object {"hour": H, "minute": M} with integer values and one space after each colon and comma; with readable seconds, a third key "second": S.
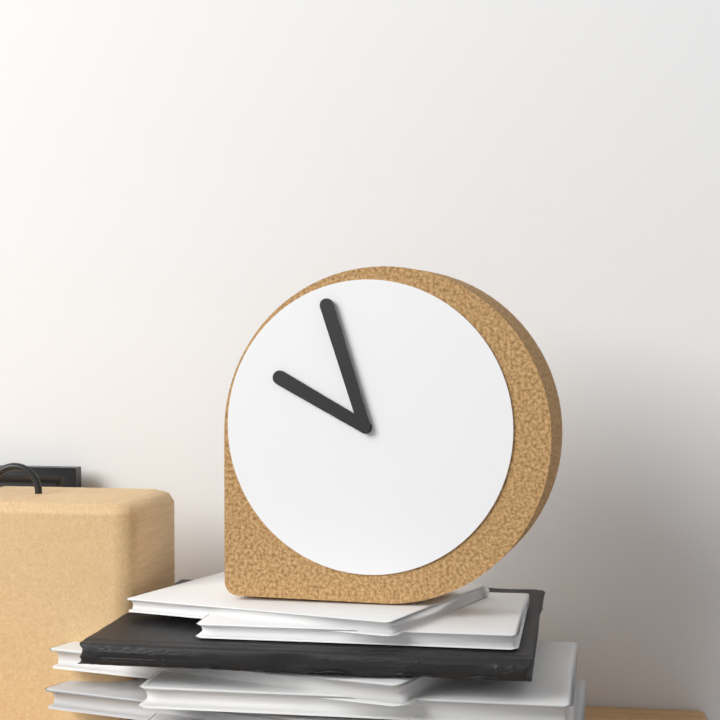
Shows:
{"hour": 9, "minute": 57}
